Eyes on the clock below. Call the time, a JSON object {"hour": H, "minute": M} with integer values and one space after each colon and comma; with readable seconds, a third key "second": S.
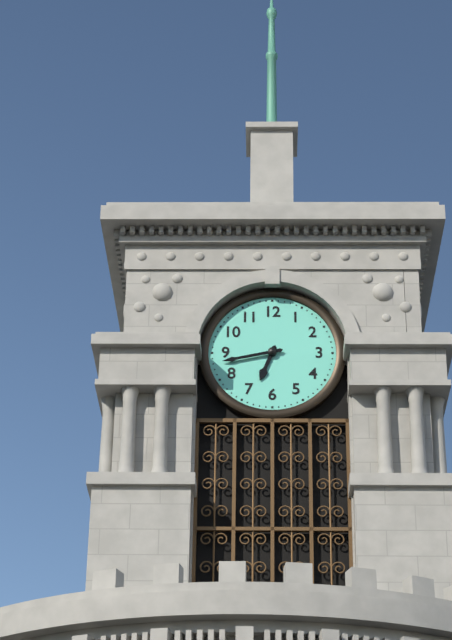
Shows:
{"hour": 6, "minute": 43}
